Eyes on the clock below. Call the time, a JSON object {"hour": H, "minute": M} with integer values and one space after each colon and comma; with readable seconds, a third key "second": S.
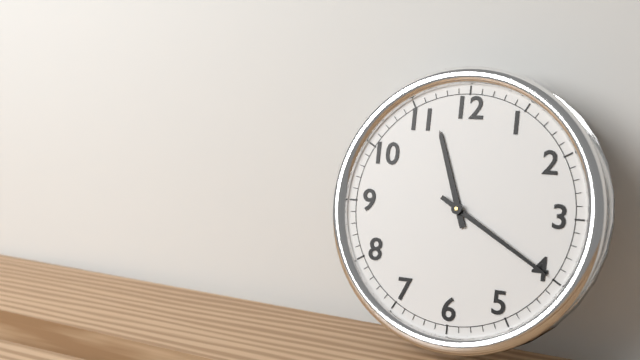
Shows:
{"hour": 11, "minute": 20}
